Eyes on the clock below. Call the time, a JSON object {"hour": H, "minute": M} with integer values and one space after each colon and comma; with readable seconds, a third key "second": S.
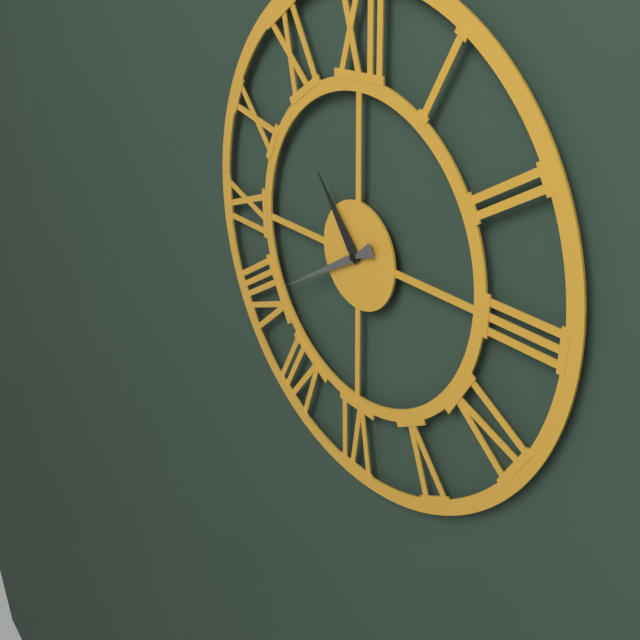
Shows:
{"hour": 10, "minute": 40}
